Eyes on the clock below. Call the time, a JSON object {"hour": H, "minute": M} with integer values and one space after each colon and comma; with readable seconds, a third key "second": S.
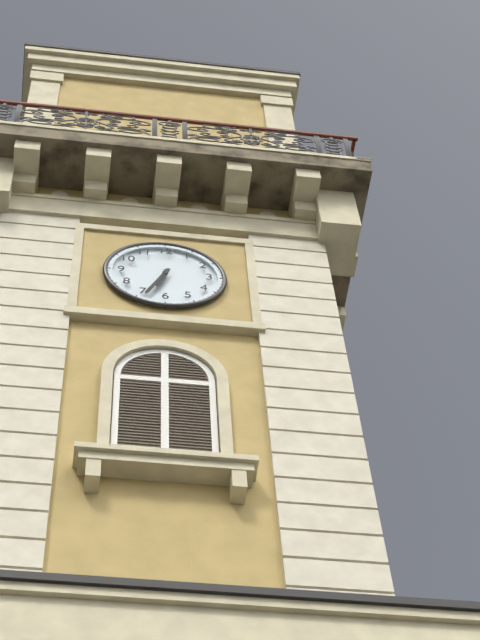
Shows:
{"hour": 6, "minute": 34}
